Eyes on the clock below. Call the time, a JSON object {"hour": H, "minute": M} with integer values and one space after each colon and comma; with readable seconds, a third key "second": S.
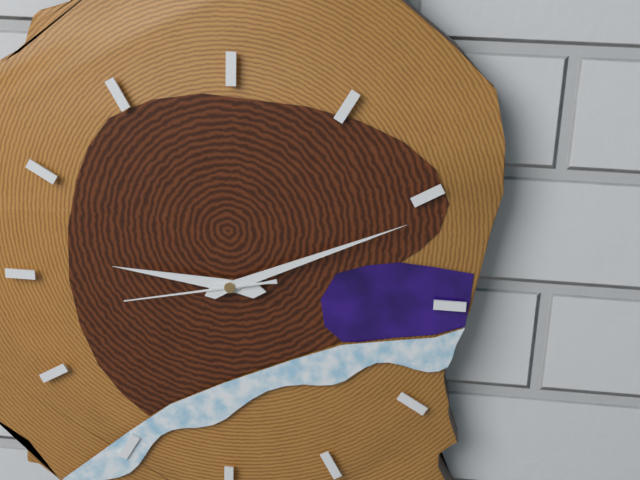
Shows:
{"hour": 9, "minute": 11, "second": 43}
